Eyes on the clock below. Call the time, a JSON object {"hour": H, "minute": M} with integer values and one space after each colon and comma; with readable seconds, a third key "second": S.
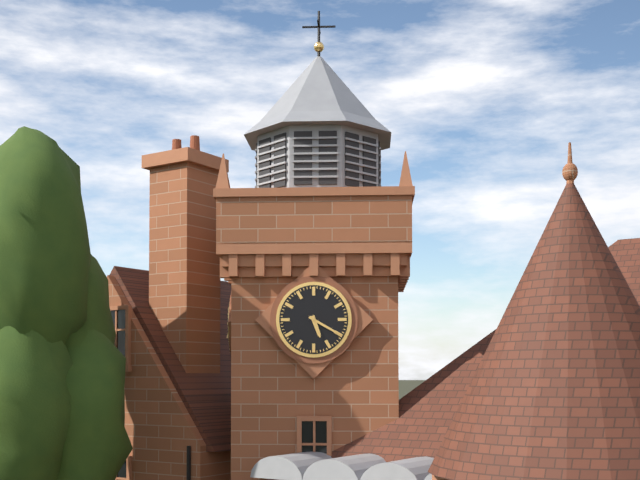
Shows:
{"hour": 5, "minute": 20}
